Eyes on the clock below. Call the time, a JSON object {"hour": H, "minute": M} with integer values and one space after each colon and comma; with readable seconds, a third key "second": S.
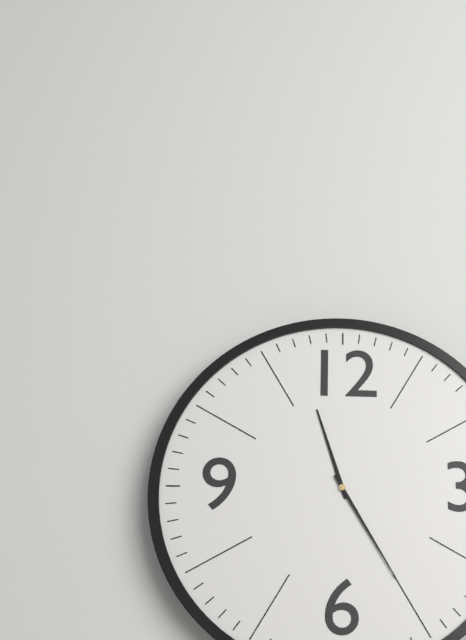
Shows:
{"hour": 11, "minute": 25}
